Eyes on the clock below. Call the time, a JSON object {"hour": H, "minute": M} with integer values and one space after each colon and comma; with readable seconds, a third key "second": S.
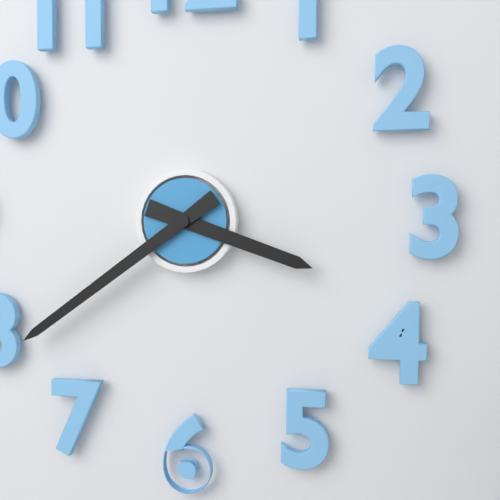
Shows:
{"hour": 3, "minute": 39}
